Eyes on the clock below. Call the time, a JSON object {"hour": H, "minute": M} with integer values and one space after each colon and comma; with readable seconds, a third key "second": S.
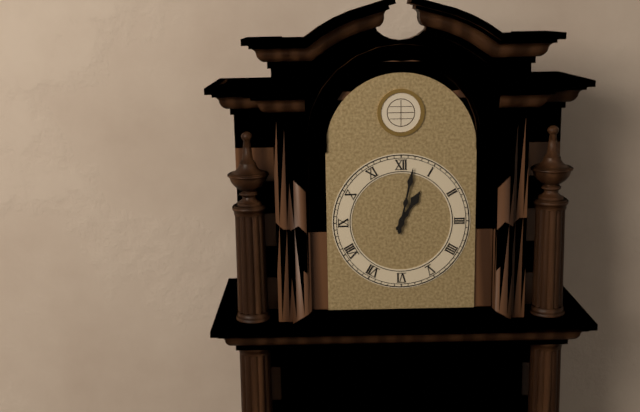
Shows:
{"hour": 1, "minute": 2}
